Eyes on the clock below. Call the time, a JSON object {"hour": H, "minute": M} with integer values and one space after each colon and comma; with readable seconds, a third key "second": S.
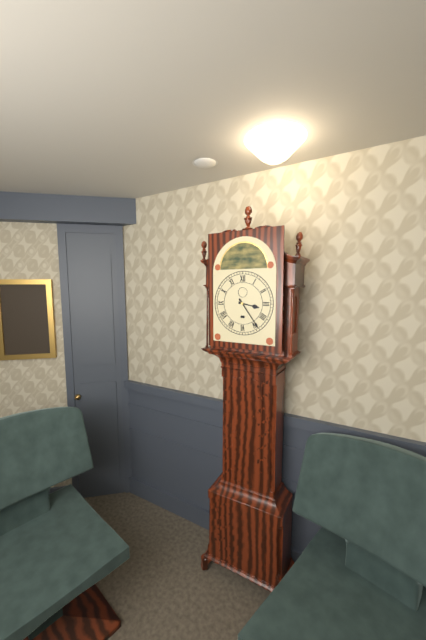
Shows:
{"hour": 3, "minute": 24}
